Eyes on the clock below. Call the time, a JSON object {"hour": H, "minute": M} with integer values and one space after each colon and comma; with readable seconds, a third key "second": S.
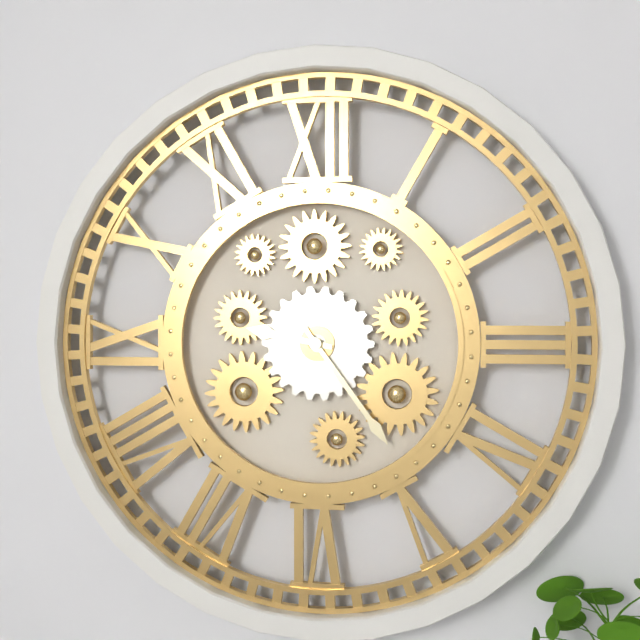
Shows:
{"hour": 9, "minute": 24}
